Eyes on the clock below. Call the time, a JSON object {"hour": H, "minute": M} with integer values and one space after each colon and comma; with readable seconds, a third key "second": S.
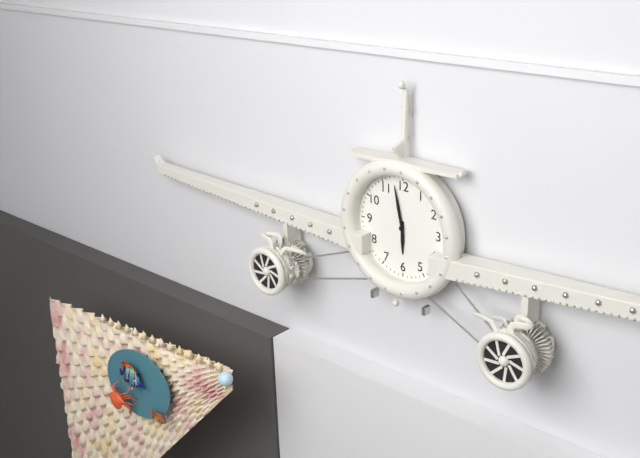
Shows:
{"hour": 5, "minute": 58}
